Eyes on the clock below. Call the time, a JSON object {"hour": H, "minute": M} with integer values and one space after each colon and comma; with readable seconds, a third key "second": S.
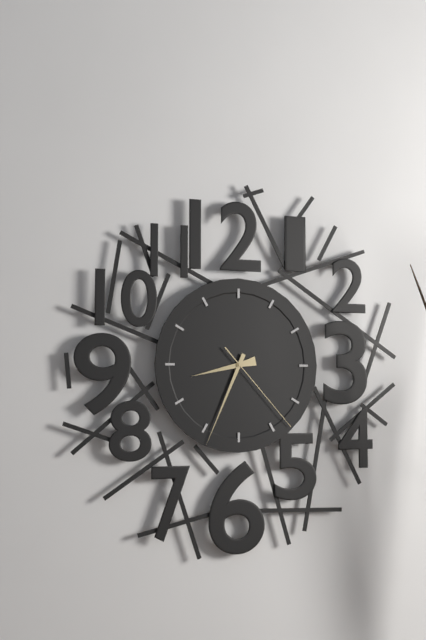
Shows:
{"hour": 8, "minute": 34, "second": 23}
